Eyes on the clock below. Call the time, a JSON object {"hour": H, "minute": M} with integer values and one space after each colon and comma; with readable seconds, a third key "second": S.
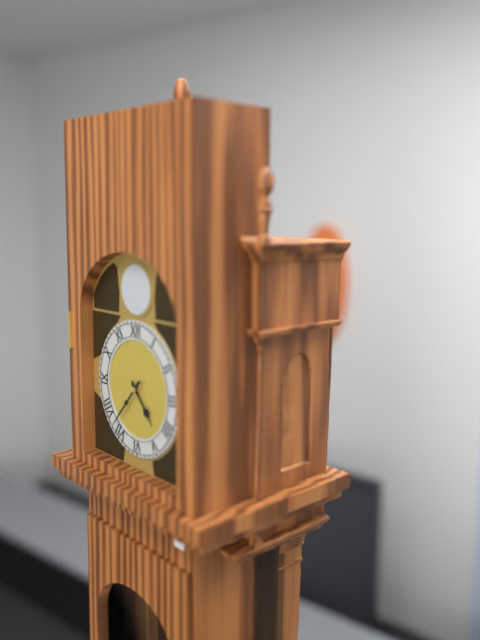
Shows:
{"hour": 4, "minute": 37}
